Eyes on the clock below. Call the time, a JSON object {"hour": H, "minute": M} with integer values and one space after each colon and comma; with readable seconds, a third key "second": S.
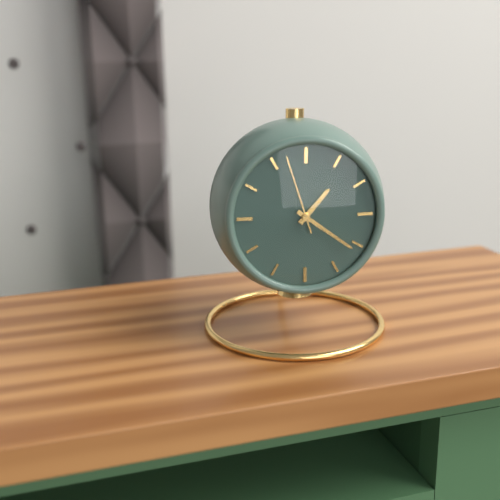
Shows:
{"hour": 1, "minute": 21, "second": 57}
